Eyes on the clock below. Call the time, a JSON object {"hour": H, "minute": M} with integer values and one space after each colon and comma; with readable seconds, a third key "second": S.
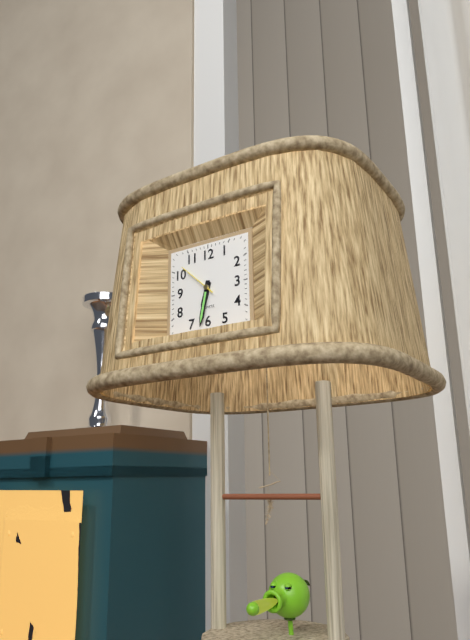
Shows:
{"hour": 6, "minute": 32}
